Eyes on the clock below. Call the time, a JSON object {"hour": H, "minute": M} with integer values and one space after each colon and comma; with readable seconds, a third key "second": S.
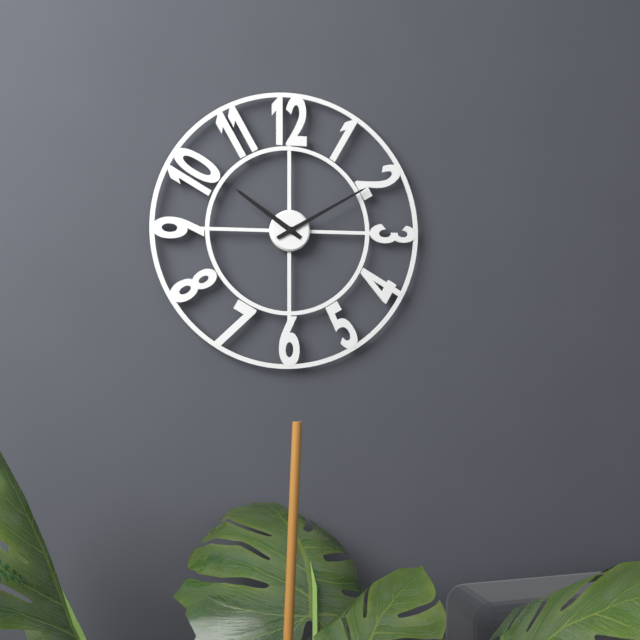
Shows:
{"hour": 10, "minute": 10}
